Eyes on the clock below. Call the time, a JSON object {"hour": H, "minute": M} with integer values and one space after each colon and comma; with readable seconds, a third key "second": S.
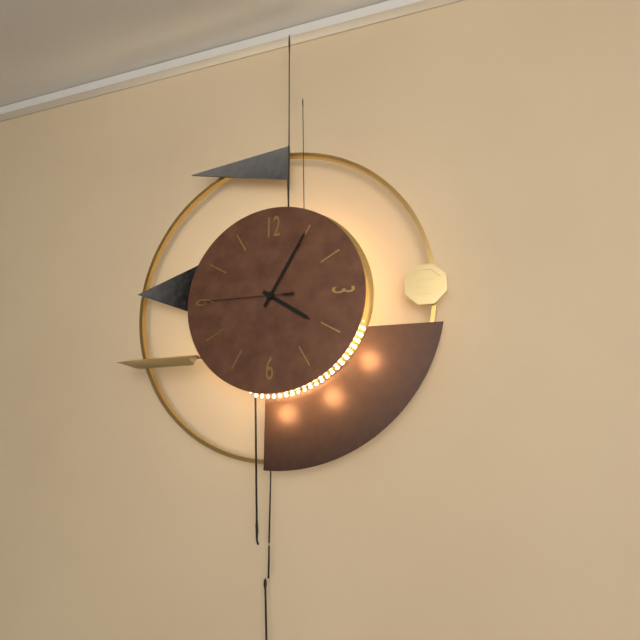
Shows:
{"hour": 4, "minute": 5, "second": 45}
